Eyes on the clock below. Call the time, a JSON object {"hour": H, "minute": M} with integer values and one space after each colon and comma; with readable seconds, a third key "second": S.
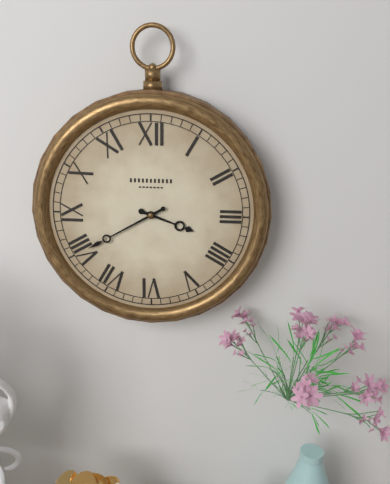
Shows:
{"hour": 3, "minute": 40}
